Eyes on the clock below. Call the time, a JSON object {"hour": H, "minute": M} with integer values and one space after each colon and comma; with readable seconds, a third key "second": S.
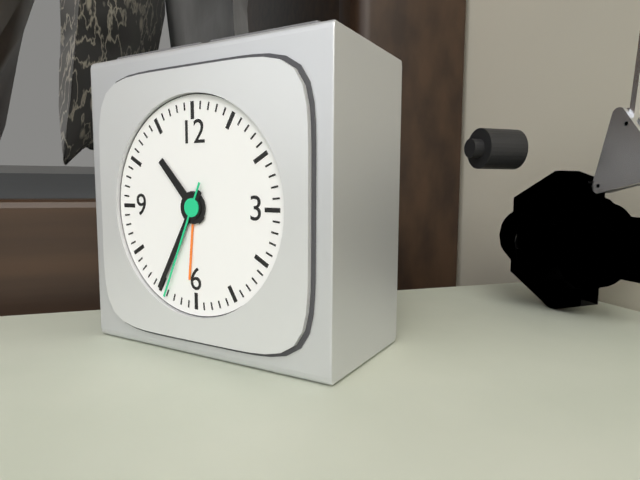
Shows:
{"hour": 10, "minute": 35, "second": 34}
